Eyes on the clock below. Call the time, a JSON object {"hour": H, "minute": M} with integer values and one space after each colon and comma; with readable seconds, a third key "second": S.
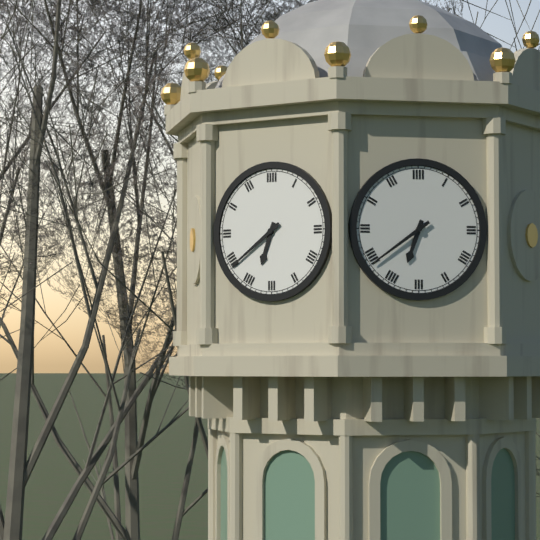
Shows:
{"hour": 6, "minute": 39}
